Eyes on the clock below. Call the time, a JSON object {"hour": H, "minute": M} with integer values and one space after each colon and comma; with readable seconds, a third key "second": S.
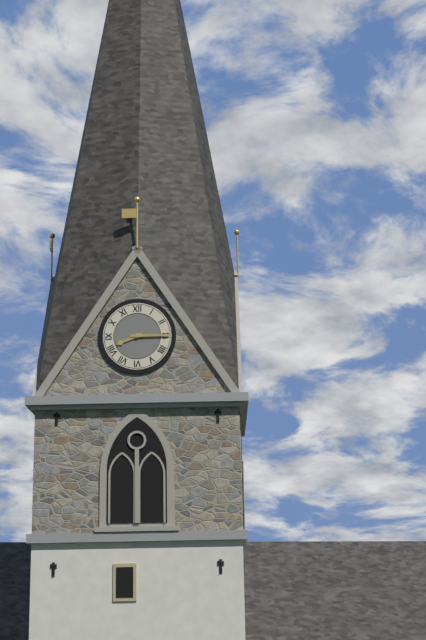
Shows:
{"hour": 8, "minute": 15}
